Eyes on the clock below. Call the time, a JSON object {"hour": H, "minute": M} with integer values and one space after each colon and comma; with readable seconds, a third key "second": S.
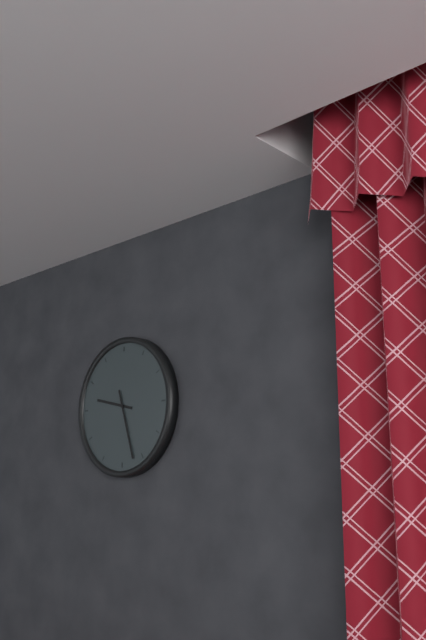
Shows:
{"hour": 9, "minute": 27}
